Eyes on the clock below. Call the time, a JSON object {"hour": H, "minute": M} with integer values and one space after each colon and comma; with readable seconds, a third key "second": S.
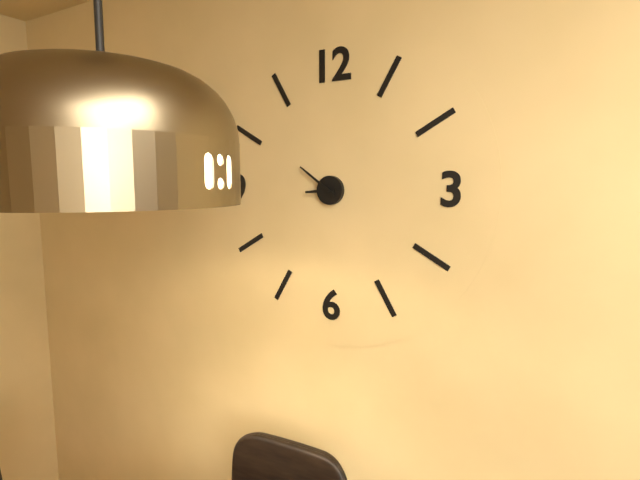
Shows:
{"hour": 8, "minute": 51}
